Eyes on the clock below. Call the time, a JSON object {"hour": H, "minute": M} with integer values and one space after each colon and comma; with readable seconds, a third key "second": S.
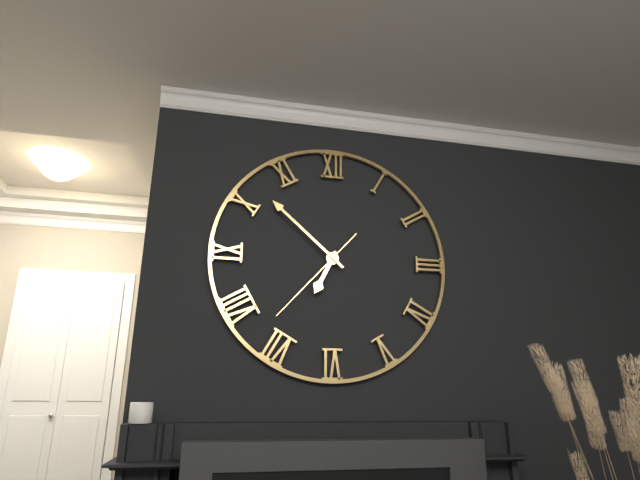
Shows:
{"hour": 6, "minute": 52, "second": 37}
